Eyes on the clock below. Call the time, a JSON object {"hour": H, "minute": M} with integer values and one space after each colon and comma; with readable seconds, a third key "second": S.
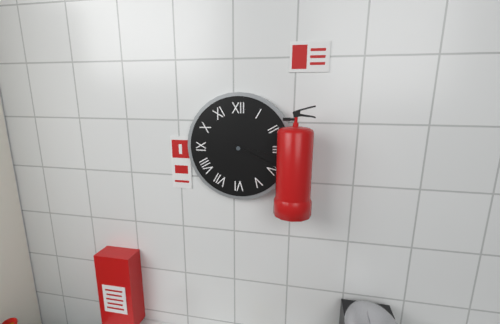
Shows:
{"hour": 3, "minute": 19}
